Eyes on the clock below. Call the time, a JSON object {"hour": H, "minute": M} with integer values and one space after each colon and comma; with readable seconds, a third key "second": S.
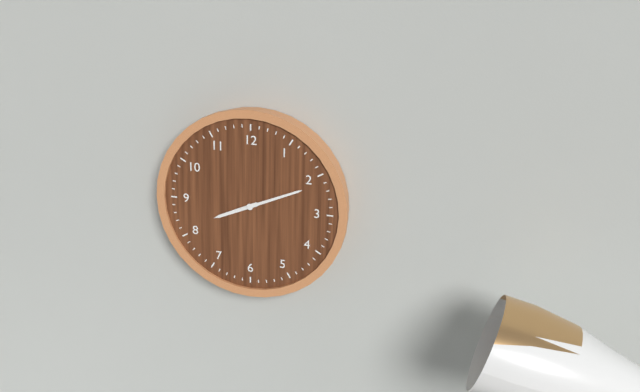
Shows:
{"hour": 8, "minute": 11}
